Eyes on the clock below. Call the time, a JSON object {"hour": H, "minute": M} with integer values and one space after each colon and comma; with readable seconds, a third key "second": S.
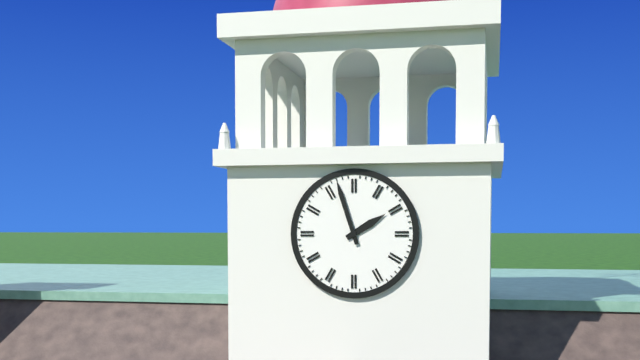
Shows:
{"hour": 1, "minute": 57}
